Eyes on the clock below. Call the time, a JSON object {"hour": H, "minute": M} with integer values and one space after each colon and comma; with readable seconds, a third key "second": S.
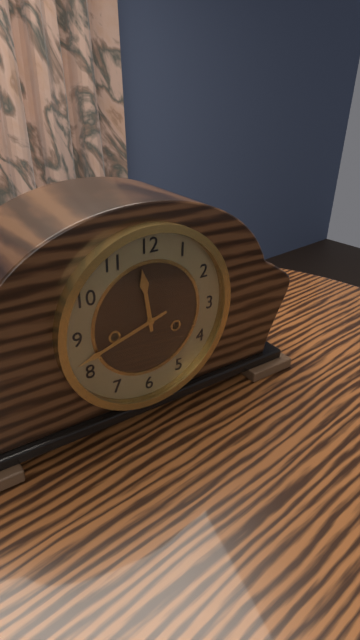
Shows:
{"hour": 11, "minute": 42}
